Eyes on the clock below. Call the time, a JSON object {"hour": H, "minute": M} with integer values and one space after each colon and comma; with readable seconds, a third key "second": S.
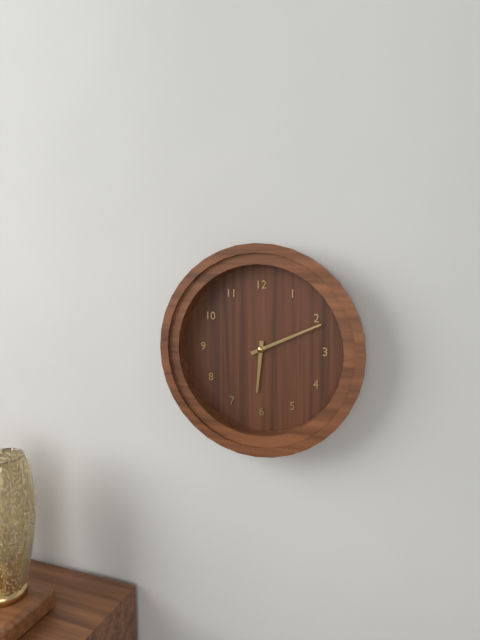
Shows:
{"hour": 6, "minute": 11}
